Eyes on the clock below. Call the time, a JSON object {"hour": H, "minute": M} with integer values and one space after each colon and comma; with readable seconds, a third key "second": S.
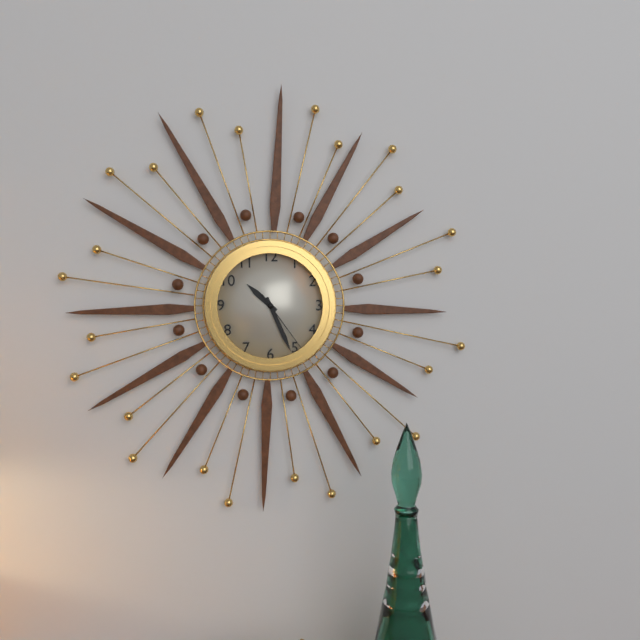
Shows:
{"hour": 10, "minute": 26, "second": 24}
